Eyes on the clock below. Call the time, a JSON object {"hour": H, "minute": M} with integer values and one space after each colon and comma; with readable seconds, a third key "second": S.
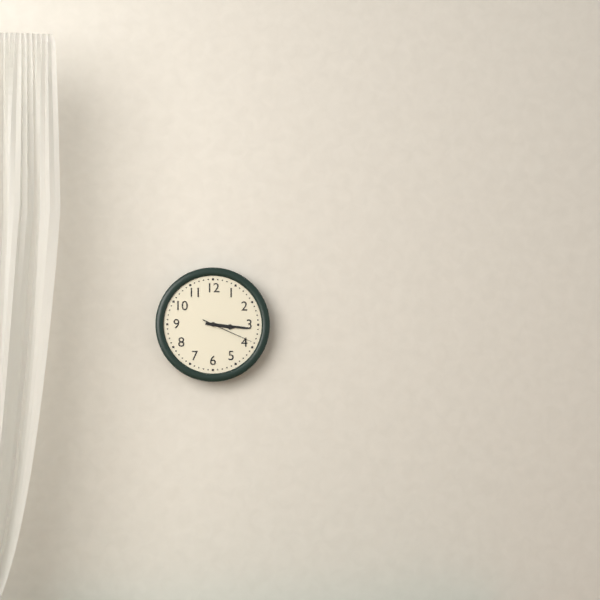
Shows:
{"hour": 3, "minute": 16, "second": 19}
